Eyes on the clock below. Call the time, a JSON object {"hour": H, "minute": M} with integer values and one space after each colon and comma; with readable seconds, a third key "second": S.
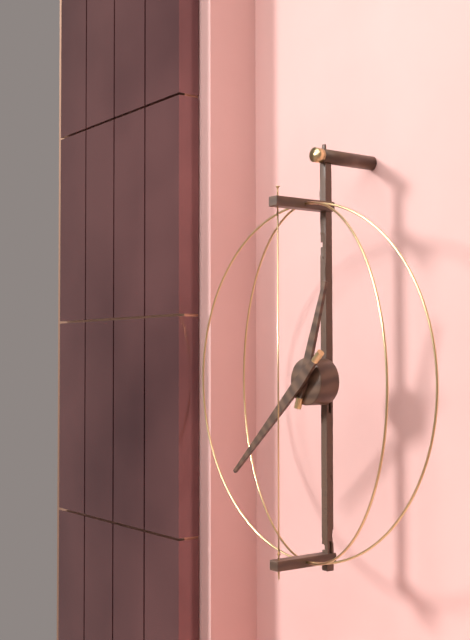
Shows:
{"hour": 12, "minute": 38}
